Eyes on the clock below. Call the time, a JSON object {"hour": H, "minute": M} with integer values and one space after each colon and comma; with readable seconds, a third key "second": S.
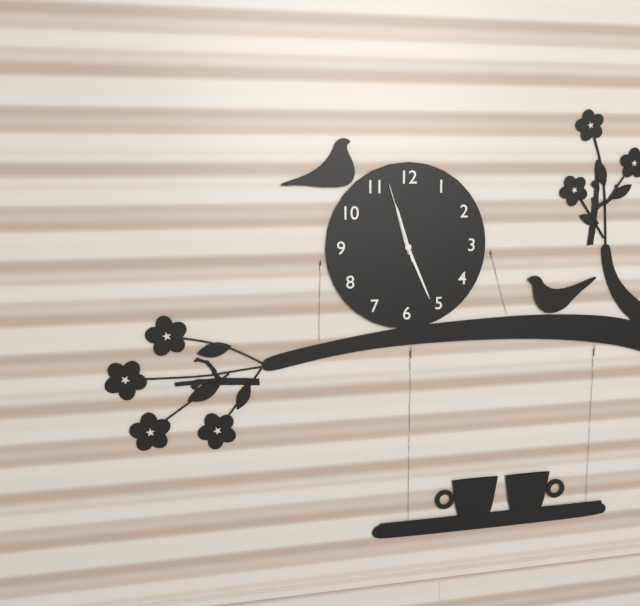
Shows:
{"hour": 11, "minute": 26, "second": 57}
